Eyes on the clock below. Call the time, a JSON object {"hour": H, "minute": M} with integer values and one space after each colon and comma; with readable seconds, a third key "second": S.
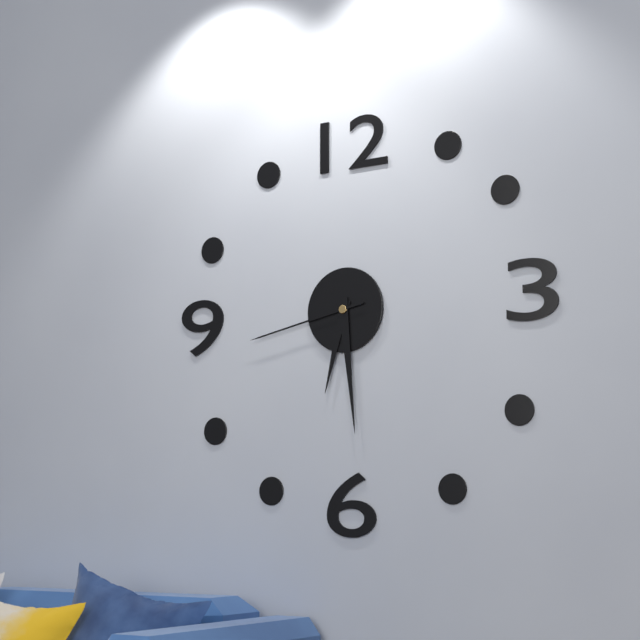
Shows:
{"hour": 6, "minute": 29, "second": 43}
